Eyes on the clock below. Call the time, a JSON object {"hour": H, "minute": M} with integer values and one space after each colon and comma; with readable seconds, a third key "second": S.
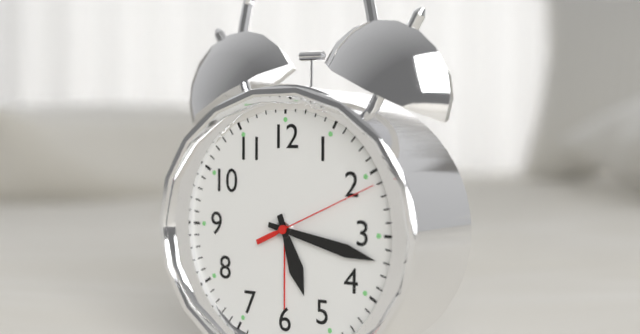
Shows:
{"hour": 5, "minute": 17, "second": 11}
